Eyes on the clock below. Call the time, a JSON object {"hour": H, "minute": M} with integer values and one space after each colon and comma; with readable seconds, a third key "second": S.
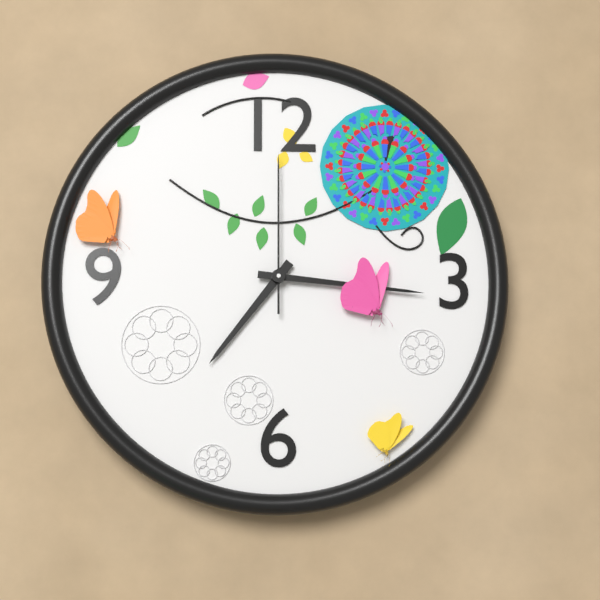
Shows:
{"hour": 7, "minute": 16, "second": 0}
